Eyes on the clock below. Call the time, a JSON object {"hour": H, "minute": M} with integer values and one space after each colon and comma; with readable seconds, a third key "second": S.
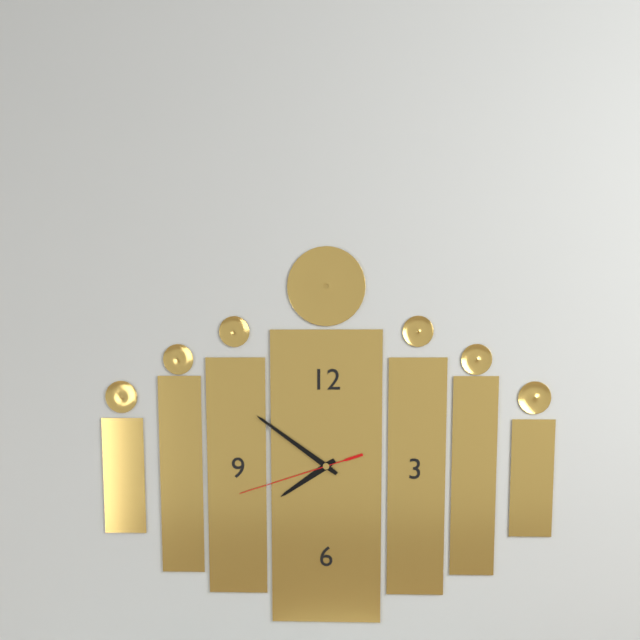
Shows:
{"hour": 7, "minute": 51, "second": 42}
